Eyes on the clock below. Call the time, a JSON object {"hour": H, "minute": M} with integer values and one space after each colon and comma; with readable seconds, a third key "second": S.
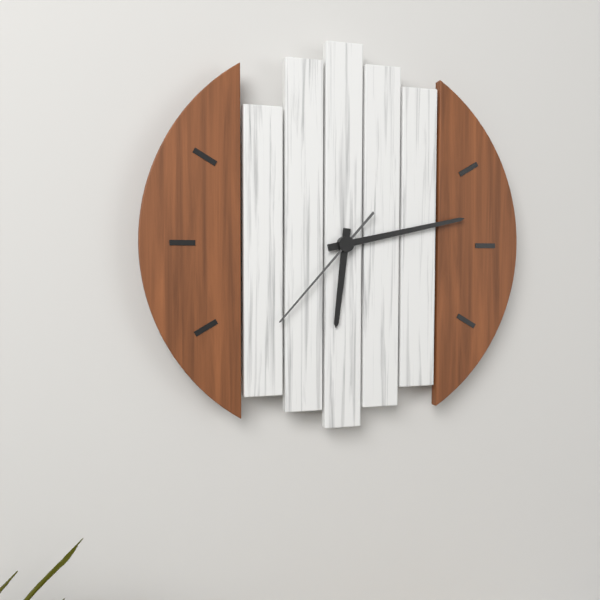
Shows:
{"hour": 6, "minute": 13, "second": 37}
